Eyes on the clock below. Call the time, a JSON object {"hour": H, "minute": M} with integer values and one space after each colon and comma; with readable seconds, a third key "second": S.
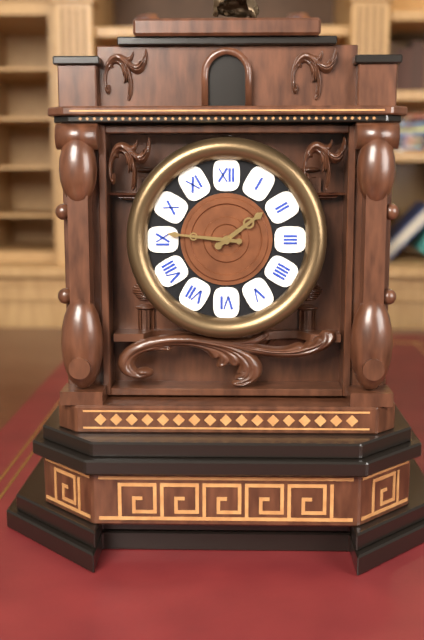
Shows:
{"hour": 1, "minute": 46}
